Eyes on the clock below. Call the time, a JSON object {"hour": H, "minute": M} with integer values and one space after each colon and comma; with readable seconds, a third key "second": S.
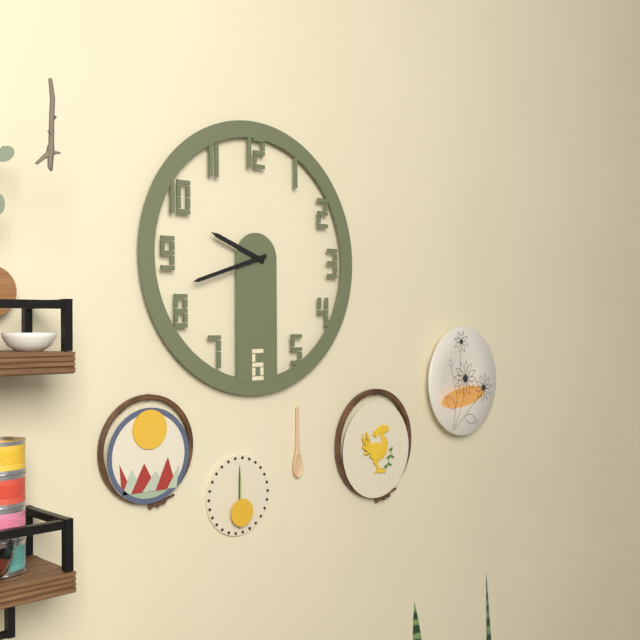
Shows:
{"hour": 9, "minute": 42}
